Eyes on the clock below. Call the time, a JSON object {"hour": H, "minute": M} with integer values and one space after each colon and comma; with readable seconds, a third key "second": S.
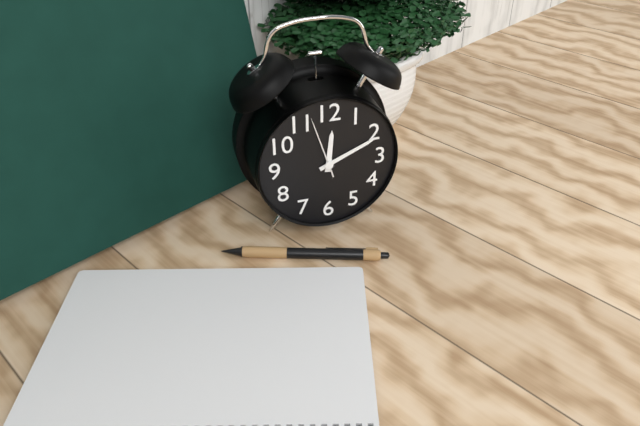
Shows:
{"hour": 12, "minute": 11, "second": 57}
